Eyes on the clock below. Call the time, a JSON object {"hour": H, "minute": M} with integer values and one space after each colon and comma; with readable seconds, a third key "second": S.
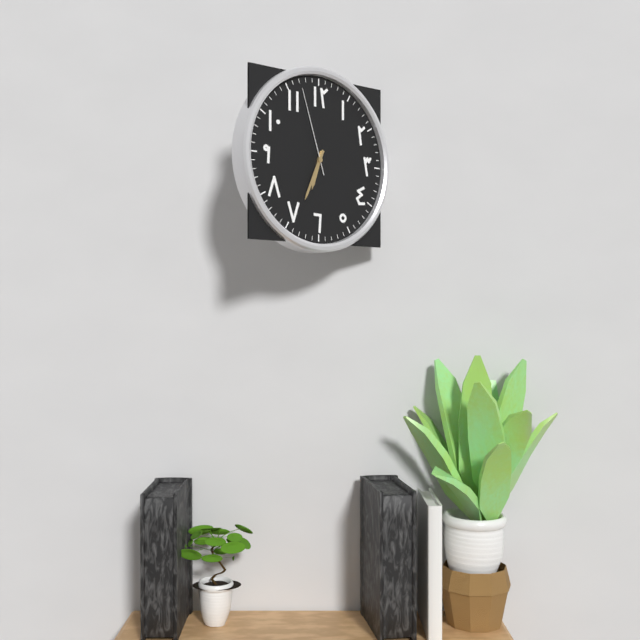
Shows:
{"hour": 6, "minute": 34, "second": 57}
